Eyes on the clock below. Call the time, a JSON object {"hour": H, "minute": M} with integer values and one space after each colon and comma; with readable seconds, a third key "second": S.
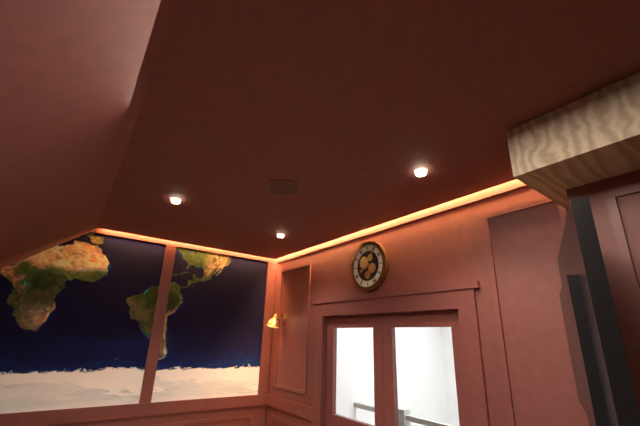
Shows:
{"hour": 8, "minute": 5}
